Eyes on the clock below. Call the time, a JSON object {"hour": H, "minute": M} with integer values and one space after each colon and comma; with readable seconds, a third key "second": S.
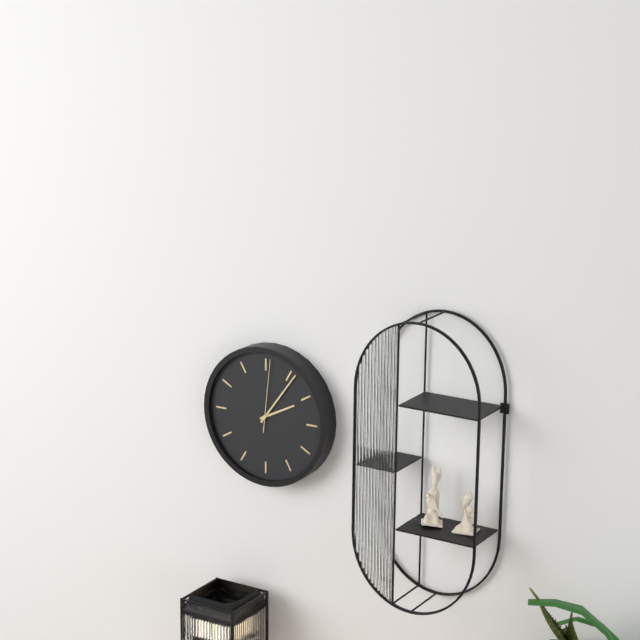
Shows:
{"hour": 2, "minute": 6, "second": 1}
